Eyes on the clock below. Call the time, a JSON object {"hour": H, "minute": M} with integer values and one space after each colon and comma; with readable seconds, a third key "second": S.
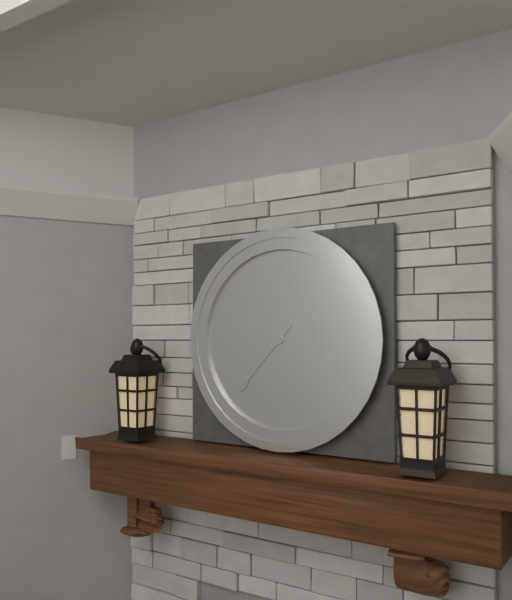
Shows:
{"hour": 9, "minute": 37}
